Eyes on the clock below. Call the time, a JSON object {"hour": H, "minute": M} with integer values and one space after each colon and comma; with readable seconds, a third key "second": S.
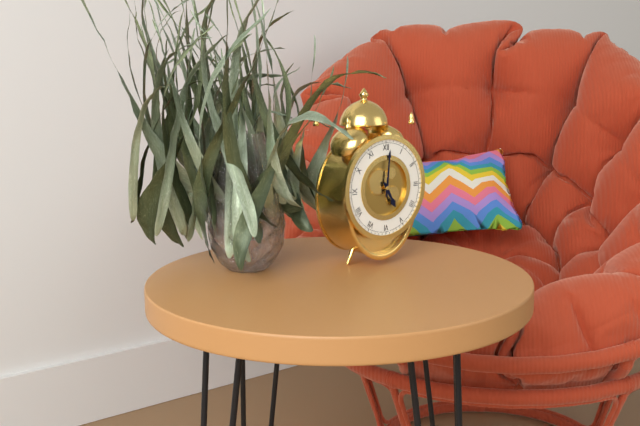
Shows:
{"hour": 5, "minute": 1}
